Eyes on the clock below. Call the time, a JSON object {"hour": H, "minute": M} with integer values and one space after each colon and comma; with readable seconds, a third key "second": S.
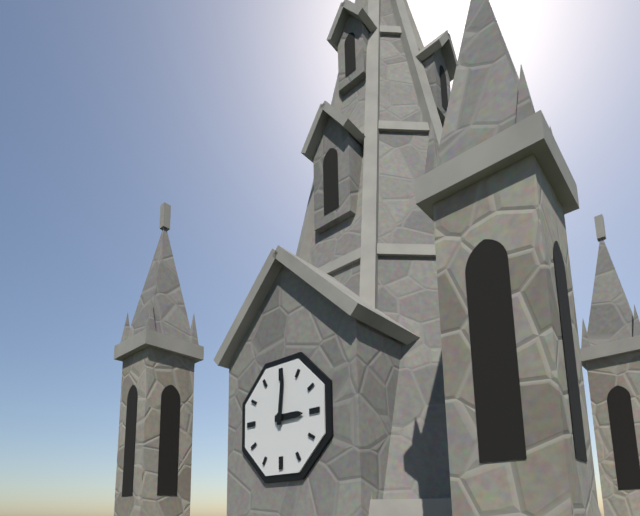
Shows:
{"hour": 3, "minute": 1}
